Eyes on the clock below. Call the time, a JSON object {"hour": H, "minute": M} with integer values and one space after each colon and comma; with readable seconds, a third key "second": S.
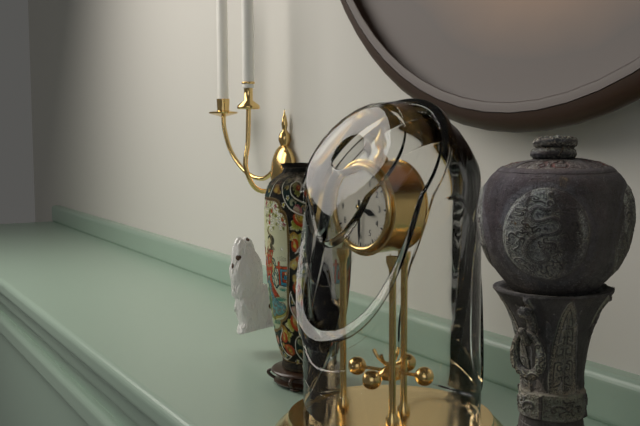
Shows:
{"hour": 3, "minute": 30}
